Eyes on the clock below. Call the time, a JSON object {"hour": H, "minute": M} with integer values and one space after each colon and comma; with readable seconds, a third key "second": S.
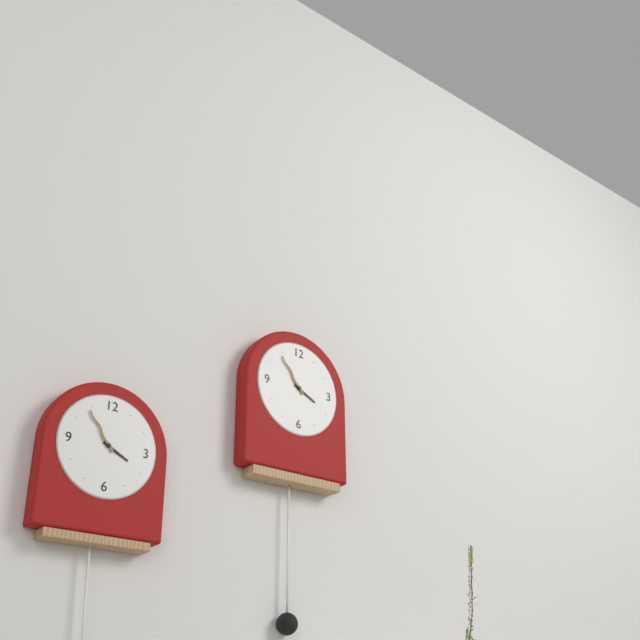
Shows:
{"hour": 3, "minute": 54}
